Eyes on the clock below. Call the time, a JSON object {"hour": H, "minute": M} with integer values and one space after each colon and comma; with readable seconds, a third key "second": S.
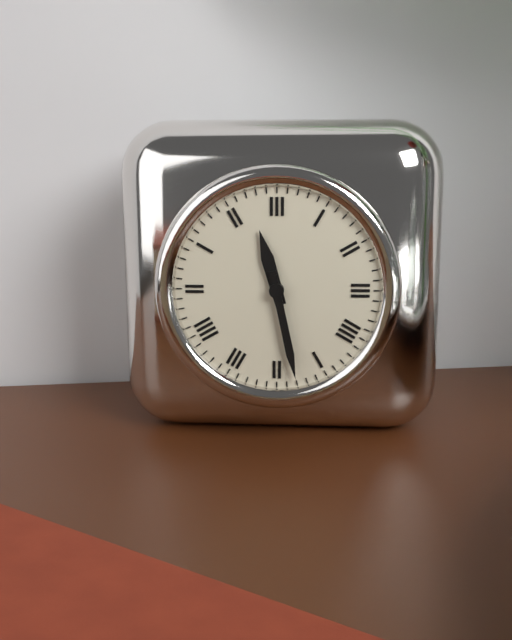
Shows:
{"hour": 11, "minute": 28}
